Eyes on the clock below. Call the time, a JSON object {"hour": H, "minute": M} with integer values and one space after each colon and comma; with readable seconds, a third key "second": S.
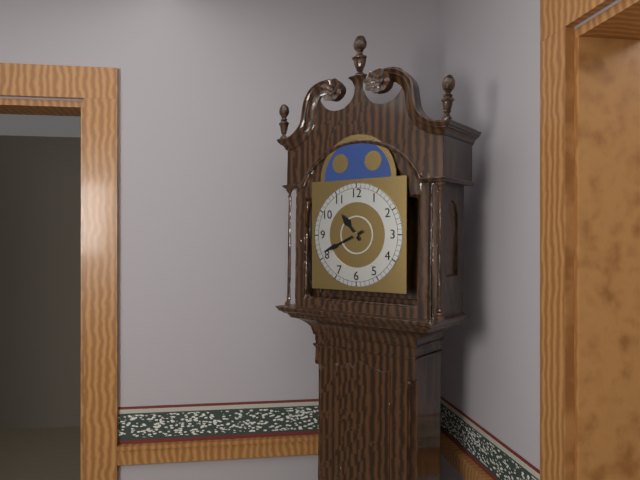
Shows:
{"hour": 10, "minute": 41}
